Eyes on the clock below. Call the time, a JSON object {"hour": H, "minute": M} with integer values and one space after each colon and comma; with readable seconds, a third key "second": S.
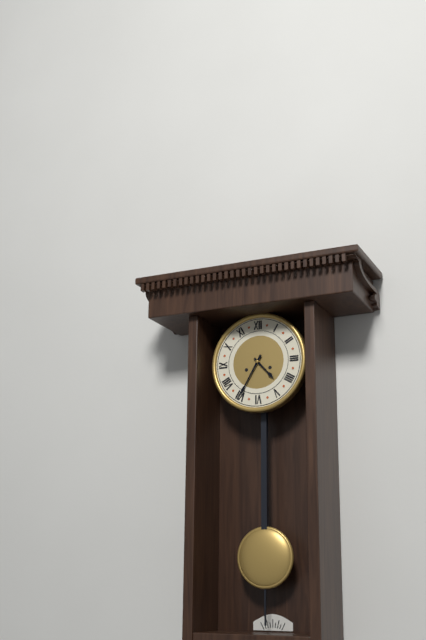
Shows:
{"hour": 4, "minute": 35}
